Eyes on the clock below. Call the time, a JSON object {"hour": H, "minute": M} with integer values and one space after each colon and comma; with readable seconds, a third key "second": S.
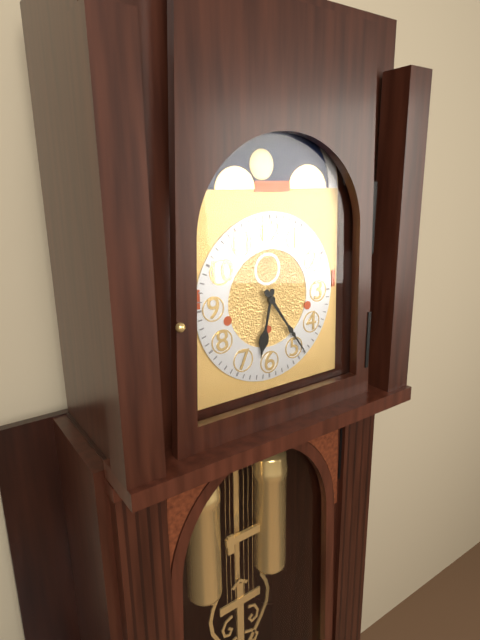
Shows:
{"hour": 6, "minute": 24}
